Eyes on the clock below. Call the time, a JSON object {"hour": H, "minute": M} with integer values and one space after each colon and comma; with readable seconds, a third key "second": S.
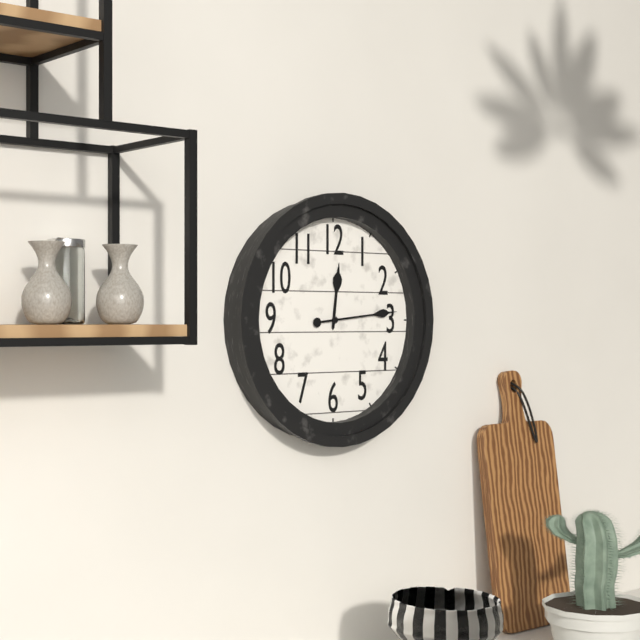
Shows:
{"hour": 12, "minute": 14}
